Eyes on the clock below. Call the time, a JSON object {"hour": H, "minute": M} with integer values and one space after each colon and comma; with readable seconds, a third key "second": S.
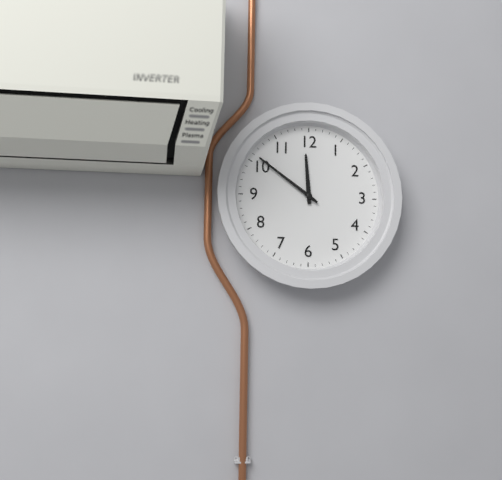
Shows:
{"hour": 11, "minute": 51}
